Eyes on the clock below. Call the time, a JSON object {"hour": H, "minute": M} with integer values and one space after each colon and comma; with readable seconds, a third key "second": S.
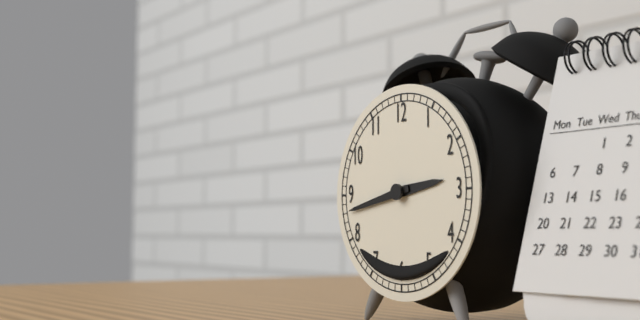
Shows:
{"hour": 2, "minute": 43}
